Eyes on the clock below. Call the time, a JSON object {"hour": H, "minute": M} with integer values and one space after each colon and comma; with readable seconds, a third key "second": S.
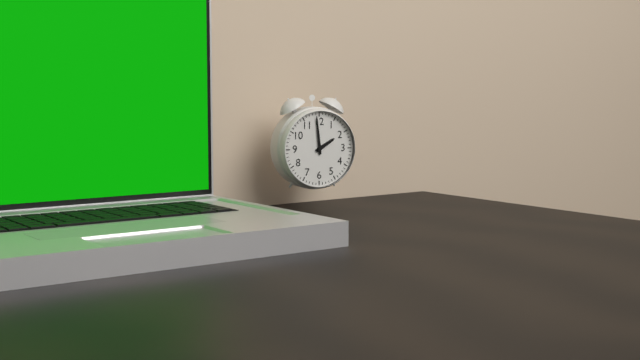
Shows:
{"hour": 1, "minute": 59}
